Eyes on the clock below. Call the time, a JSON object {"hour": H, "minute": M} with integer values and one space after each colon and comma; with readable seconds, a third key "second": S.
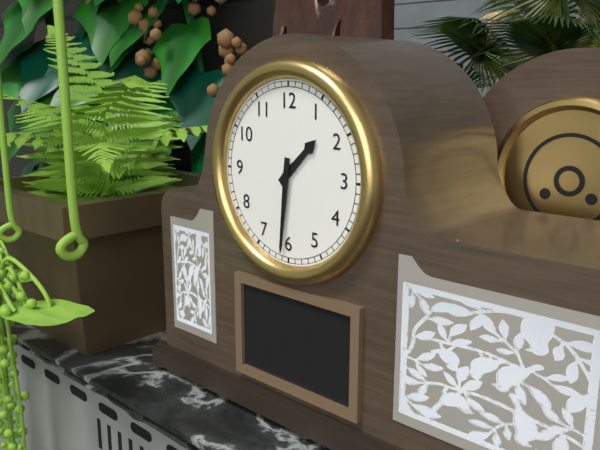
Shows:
{"hour": 1, "minute": 31}
